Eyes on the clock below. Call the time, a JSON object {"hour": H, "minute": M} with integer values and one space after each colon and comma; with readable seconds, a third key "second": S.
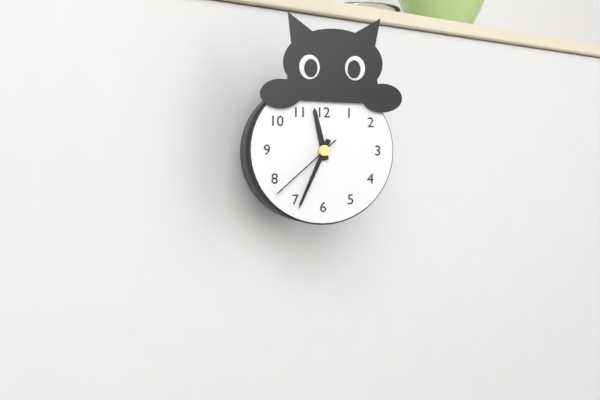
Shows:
{"hour": 11, "minute": 34, "second": 38}
